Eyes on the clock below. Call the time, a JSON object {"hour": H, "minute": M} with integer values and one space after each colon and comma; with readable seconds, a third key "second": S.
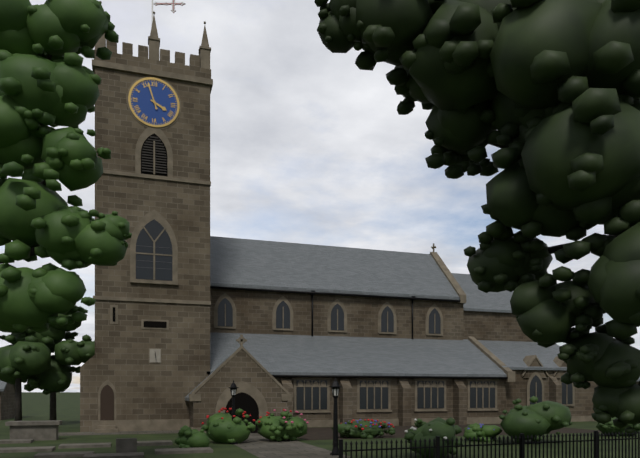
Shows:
{"hour": 3, "minute": 57}
